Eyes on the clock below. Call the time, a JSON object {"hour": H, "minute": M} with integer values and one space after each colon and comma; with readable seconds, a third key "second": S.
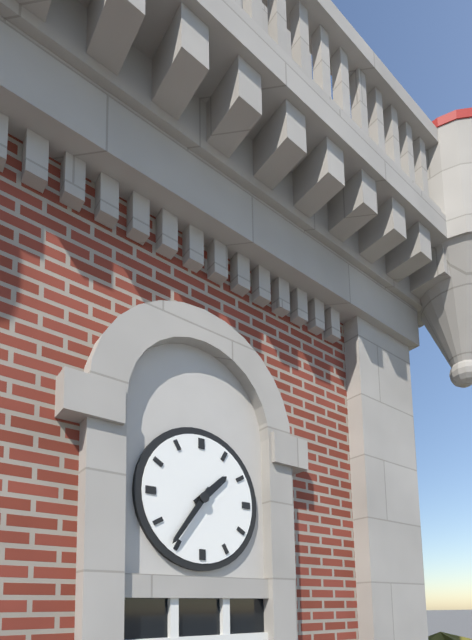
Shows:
{"hour": 1, "minute": 36}
